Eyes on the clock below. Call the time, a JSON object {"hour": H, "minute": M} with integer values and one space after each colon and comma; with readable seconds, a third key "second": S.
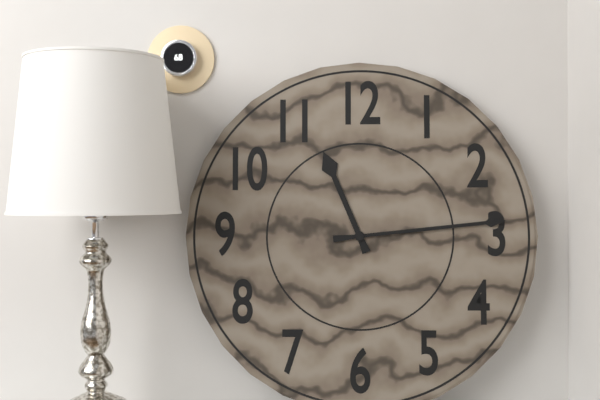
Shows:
{"hour": 11, "minute": 14}
